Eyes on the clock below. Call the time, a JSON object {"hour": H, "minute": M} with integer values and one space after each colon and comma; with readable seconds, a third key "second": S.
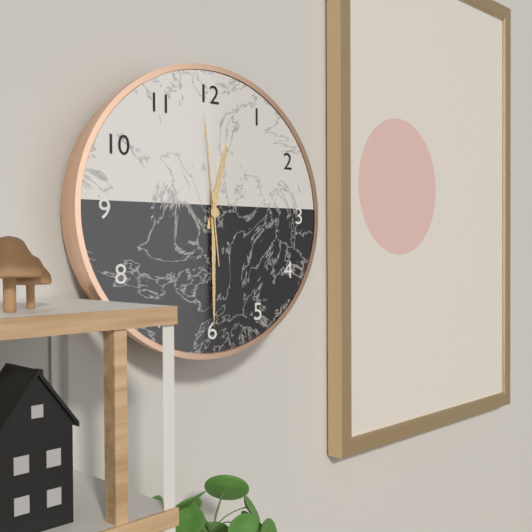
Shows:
{"hour": 12, "minute": 30, "second": 59}
